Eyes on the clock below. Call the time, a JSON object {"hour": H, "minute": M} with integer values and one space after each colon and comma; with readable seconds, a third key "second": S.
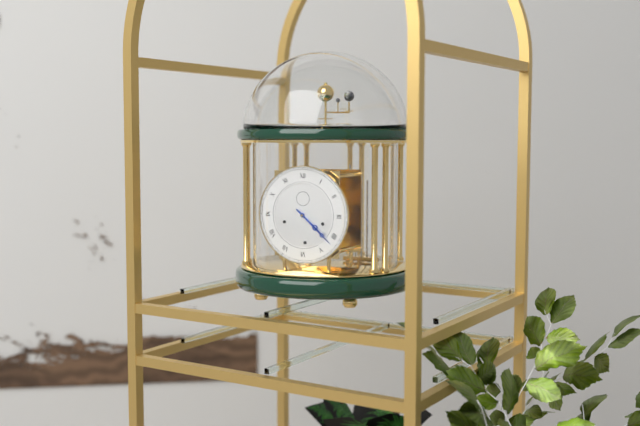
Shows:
{"hour": 4, "minute": 22}
